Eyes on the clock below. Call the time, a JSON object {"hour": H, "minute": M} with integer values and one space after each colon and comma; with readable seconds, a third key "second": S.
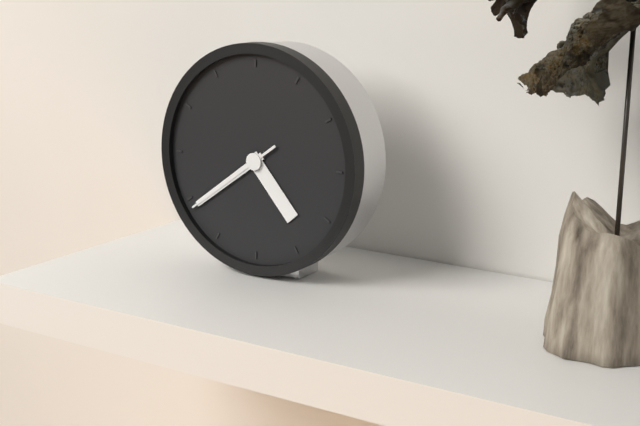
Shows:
{"hour": 4, "minute": 39, "second": 39}
